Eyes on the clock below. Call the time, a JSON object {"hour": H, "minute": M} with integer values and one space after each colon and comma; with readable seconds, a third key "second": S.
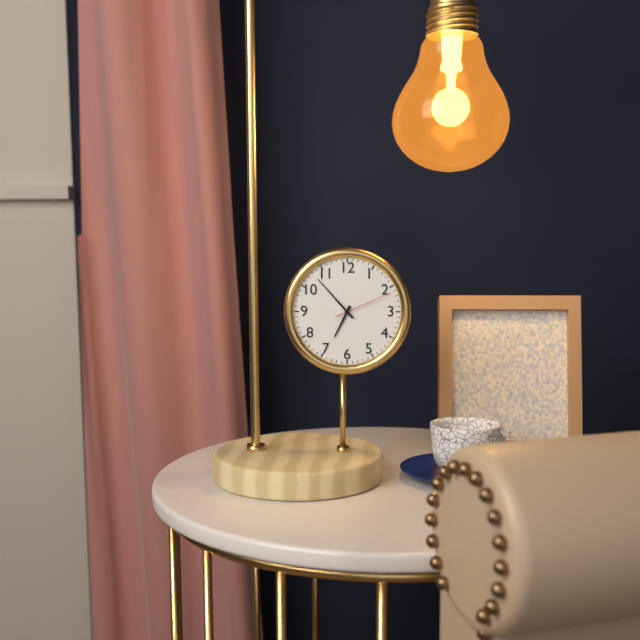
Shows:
{"hour": 6, "minute": 53, "second": 11}
